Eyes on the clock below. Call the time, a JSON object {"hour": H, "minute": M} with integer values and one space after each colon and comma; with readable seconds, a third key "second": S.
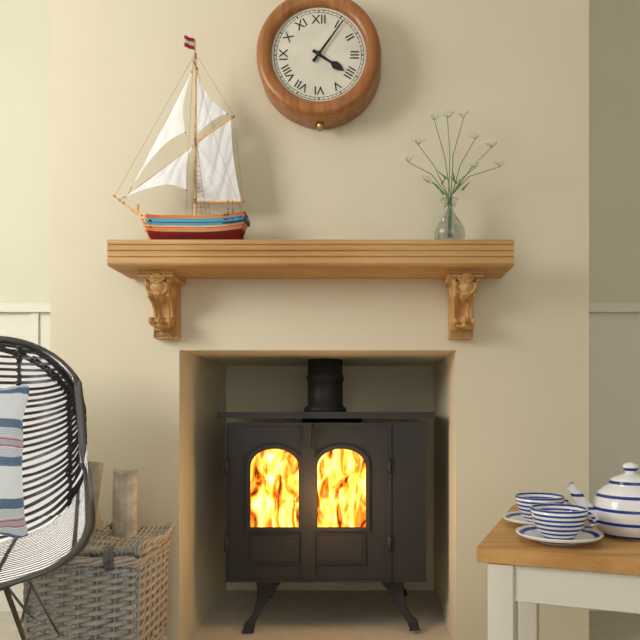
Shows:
{"hour": 4, "minute": 6}
